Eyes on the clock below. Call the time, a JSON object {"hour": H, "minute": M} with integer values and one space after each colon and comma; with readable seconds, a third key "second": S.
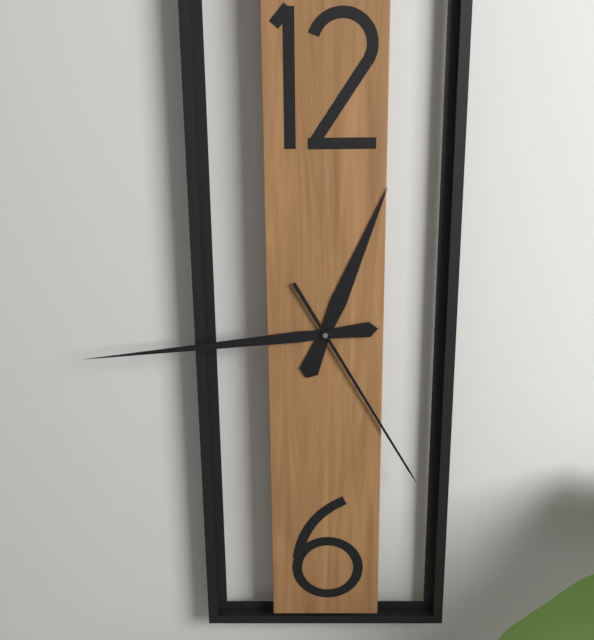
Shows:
{"hour": 12, "minute": 44, "second": 25}
